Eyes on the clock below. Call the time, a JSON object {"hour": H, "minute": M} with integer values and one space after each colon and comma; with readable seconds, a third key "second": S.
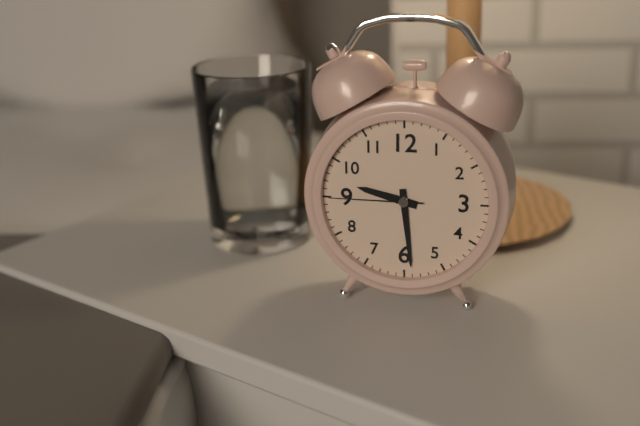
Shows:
{"hour": 9, "minute": 29, "second": 45}
